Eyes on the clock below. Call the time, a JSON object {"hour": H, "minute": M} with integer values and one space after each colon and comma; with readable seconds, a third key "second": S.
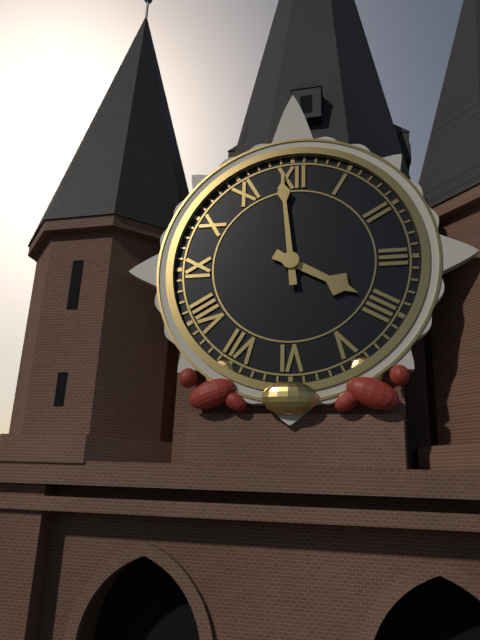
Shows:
{"hour": 3, "minute": 59}
